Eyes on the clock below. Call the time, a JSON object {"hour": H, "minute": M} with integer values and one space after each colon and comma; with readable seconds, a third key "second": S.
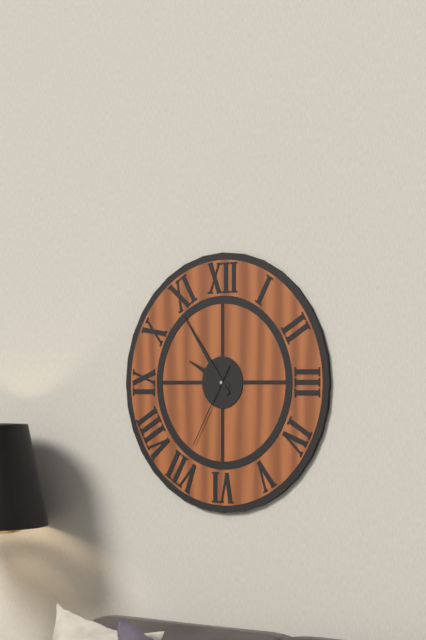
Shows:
{"hour": 9, "minute": 54, "second": 35}
